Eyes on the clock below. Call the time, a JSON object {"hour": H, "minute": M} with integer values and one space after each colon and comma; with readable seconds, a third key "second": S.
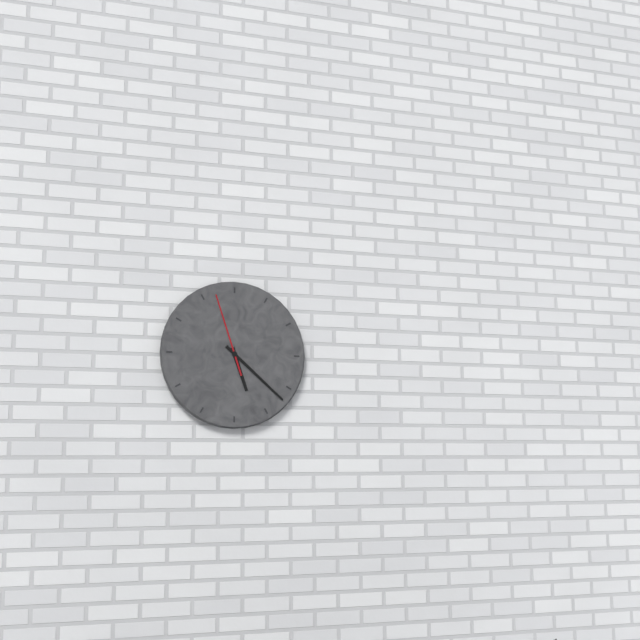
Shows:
{"hour": 5, "minute": 22, "second": 57}
